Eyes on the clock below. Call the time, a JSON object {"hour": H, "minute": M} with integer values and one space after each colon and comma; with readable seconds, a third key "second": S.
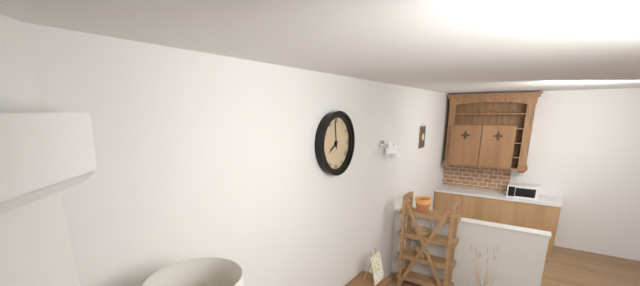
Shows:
{"hour": 7, "minute": 59}
